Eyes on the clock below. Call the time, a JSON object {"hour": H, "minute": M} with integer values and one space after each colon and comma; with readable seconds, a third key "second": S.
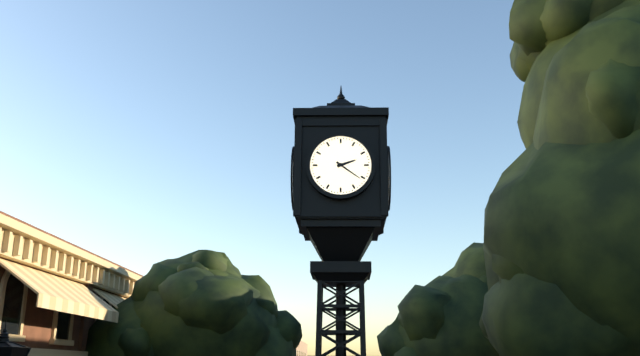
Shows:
{"hour": 2, "minute": 21}
